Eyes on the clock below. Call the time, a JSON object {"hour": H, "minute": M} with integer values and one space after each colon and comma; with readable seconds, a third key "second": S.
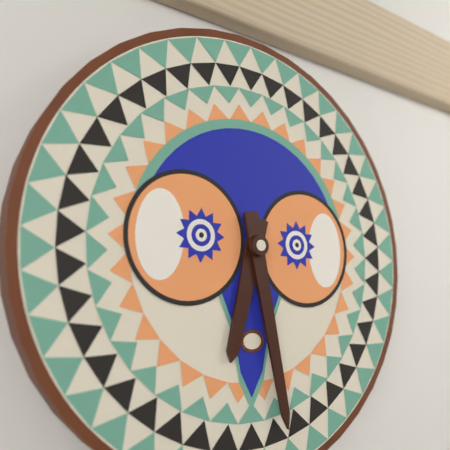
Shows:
{"hour": 6, "minute": 28}
